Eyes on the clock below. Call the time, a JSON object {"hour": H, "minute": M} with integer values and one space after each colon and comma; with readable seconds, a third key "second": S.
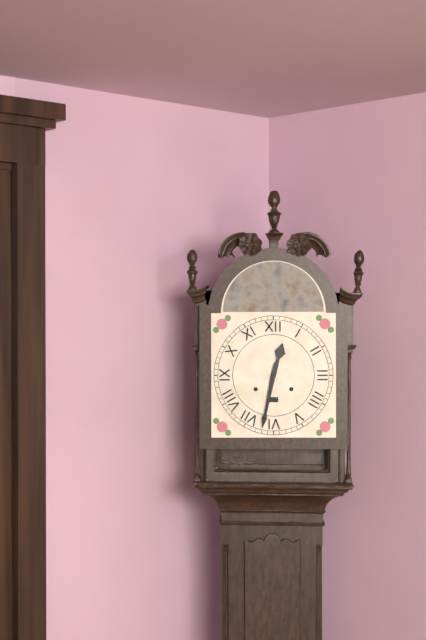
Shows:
{"hour": 12, "minute": 32}
